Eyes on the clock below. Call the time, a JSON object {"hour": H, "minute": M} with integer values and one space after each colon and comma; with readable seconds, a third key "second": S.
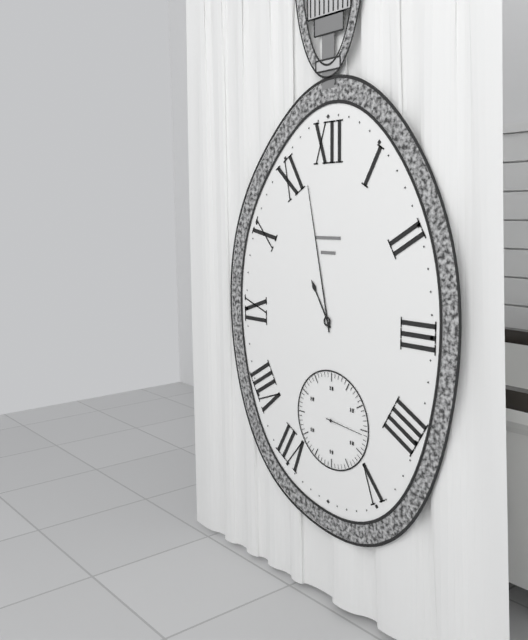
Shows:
{"hour": 10, "minute": 58}
